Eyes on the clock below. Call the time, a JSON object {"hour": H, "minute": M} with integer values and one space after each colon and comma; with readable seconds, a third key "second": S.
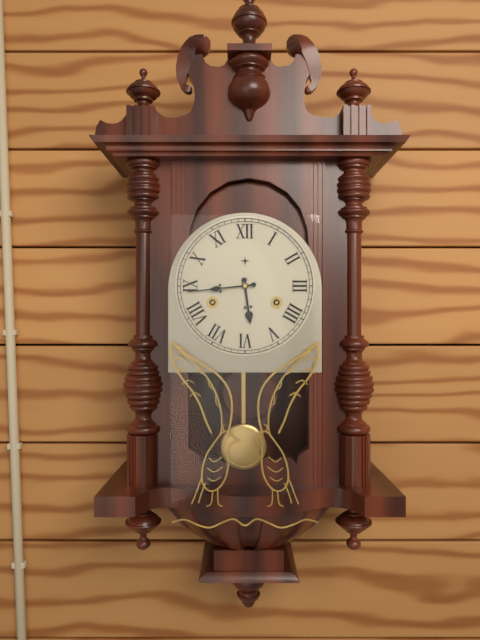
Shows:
{"hour": 5, "minute": 44}
